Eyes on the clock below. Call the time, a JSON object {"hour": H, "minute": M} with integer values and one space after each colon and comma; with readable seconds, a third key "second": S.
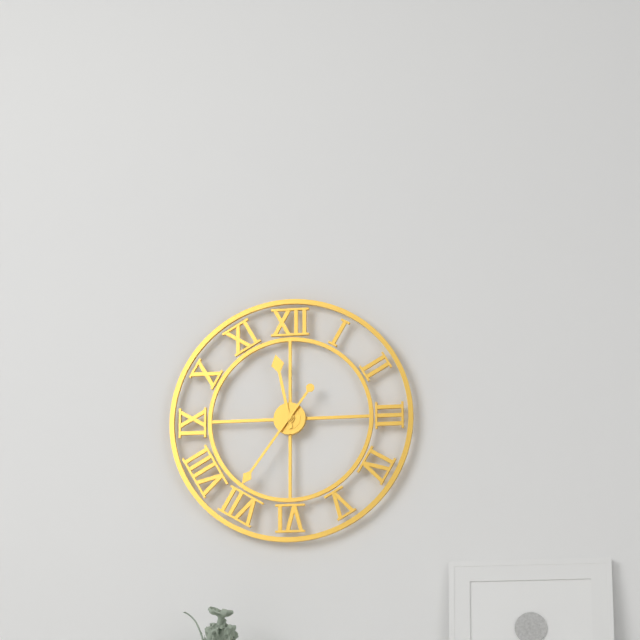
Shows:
{"hour": 11, "minute": 36}
